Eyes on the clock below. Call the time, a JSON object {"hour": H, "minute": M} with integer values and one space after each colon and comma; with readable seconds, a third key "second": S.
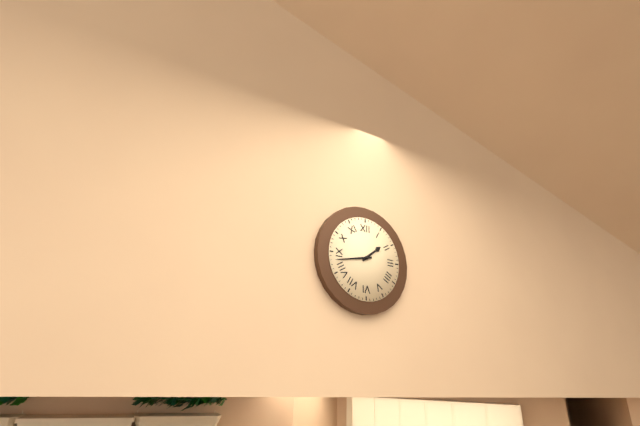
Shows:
{"hour": 1, "minute": 43}
